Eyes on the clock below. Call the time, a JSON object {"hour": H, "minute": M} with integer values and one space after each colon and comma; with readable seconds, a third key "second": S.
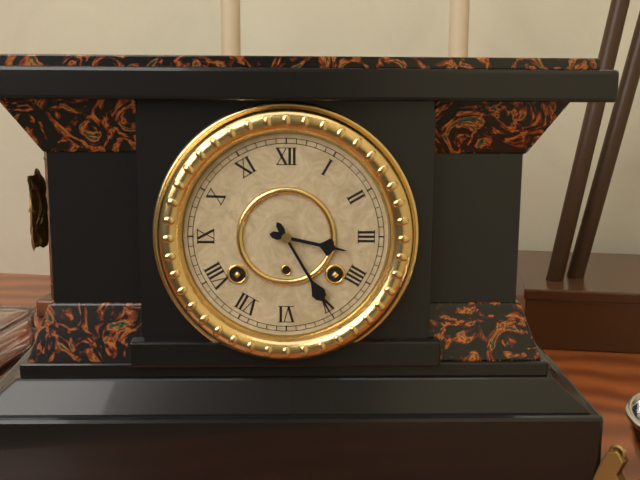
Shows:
{"hour": 3, "minute": 25}
